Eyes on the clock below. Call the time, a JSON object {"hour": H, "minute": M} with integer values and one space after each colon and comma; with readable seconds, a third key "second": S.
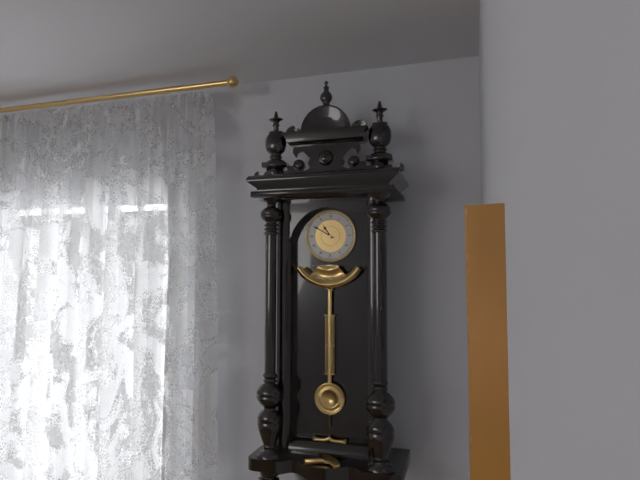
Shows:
{"hour": 10, "minute": 50}
